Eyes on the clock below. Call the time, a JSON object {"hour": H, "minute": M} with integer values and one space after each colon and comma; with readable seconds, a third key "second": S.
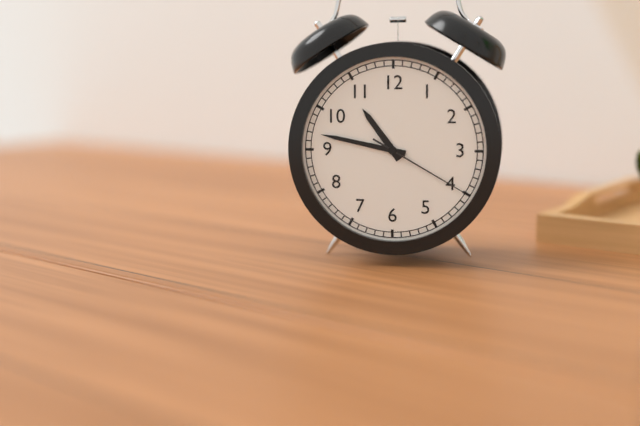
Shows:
{"hour": 10, "minute": 47, "second": 20}
